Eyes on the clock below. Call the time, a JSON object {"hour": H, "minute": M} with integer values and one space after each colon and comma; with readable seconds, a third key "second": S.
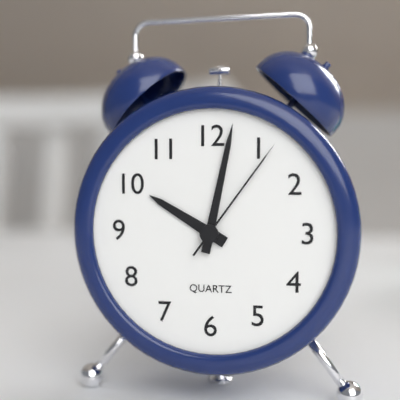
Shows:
{"hour": 10, "minute": 2, "second": 6}
